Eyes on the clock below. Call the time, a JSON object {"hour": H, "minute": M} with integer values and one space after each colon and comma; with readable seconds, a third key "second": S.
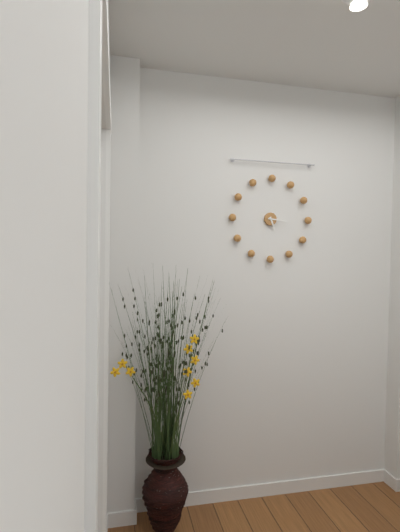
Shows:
{"hour": 5, "minute": 16}
